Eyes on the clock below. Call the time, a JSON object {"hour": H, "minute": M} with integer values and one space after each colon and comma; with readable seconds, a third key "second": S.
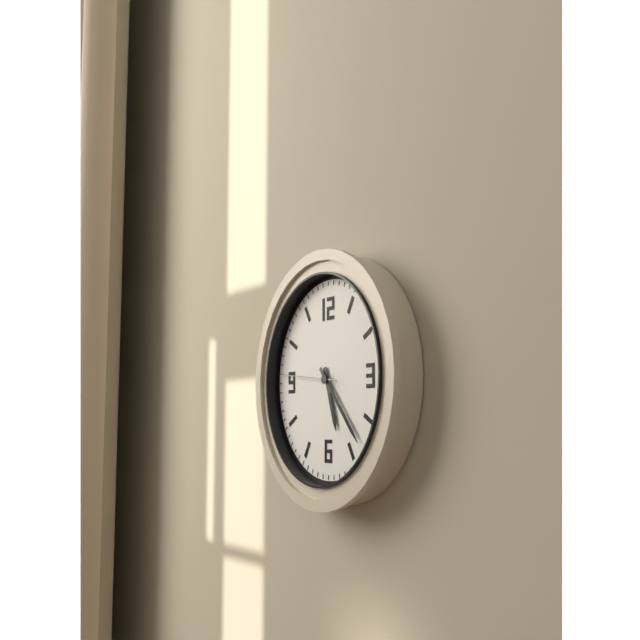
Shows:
{"hour": 5, "minute": 23, "second": 46}
